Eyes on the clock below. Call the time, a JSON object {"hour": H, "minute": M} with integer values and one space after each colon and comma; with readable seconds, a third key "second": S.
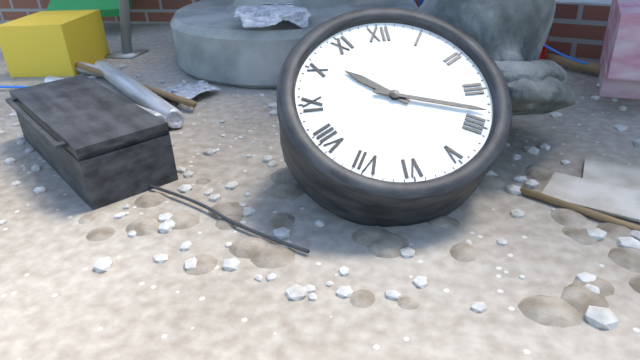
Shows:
{"hour": 10, "minute": 18}
